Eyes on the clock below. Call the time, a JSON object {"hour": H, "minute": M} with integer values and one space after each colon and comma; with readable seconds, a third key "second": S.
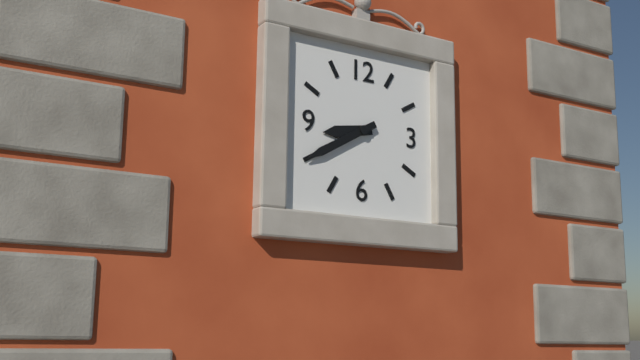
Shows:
{"hour": 8, "minute": 40}
